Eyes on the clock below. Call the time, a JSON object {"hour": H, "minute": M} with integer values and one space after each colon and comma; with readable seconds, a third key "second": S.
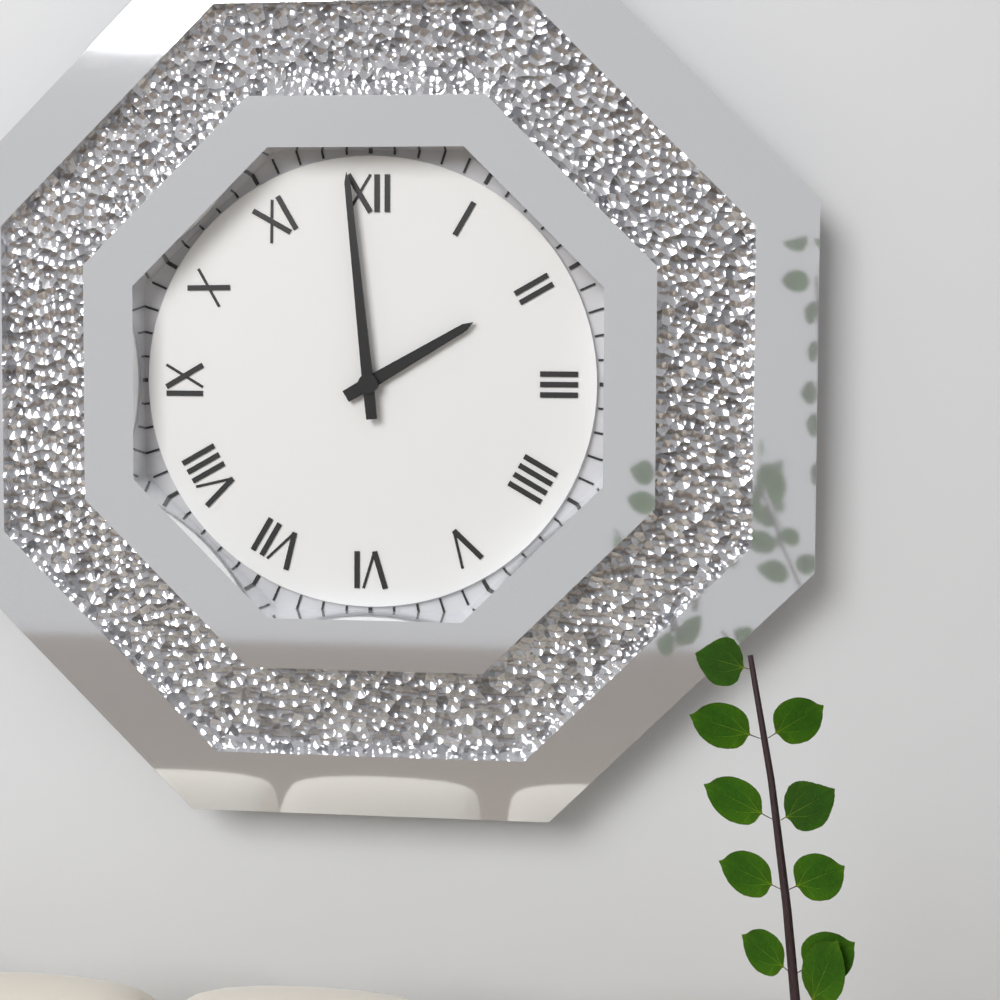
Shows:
{"hour": 1, "minute": 59}
